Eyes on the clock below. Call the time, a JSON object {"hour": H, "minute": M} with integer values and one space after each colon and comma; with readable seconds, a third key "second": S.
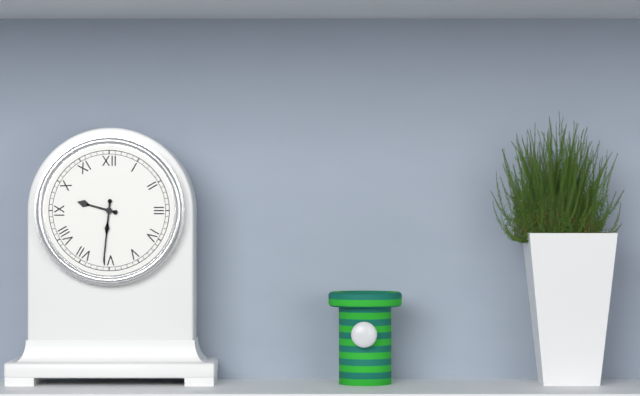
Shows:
{"hour": 9, "minute": 31}
